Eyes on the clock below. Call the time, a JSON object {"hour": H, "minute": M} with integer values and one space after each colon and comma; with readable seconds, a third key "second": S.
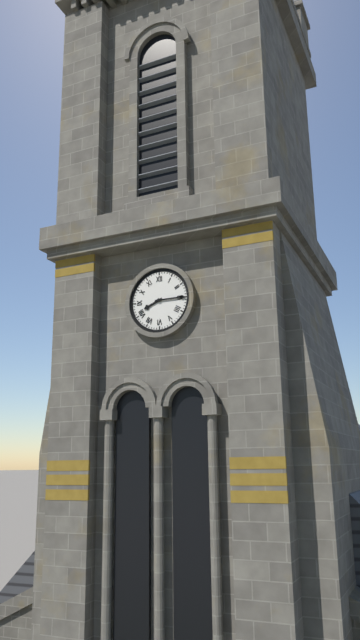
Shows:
{"hour": 8, "minute": 15}
